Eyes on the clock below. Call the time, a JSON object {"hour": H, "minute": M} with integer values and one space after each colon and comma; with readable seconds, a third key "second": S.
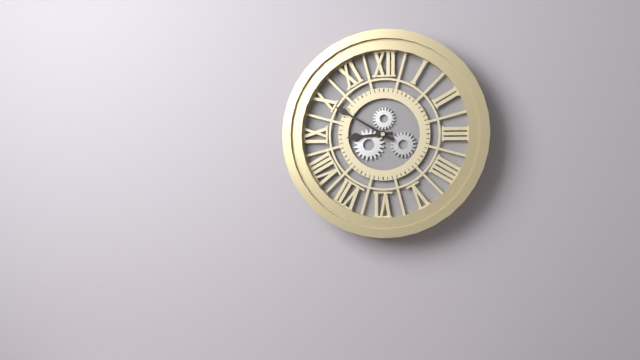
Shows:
{"hour": 8, "minute": 50}
